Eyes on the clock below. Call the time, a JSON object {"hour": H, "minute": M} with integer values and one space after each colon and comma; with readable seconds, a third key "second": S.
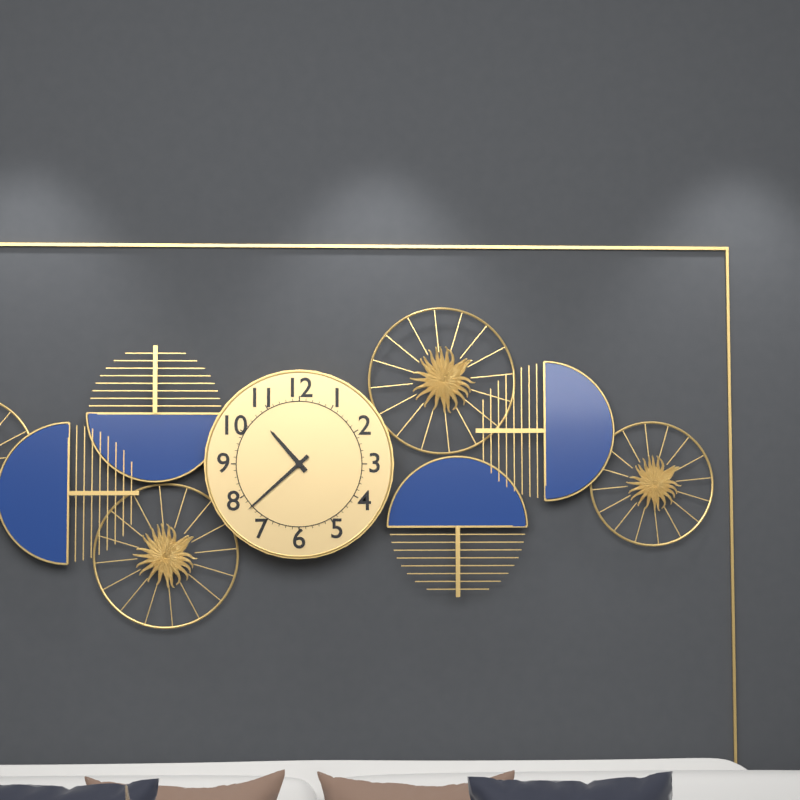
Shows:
{"hour": 10, "minute": 38}
